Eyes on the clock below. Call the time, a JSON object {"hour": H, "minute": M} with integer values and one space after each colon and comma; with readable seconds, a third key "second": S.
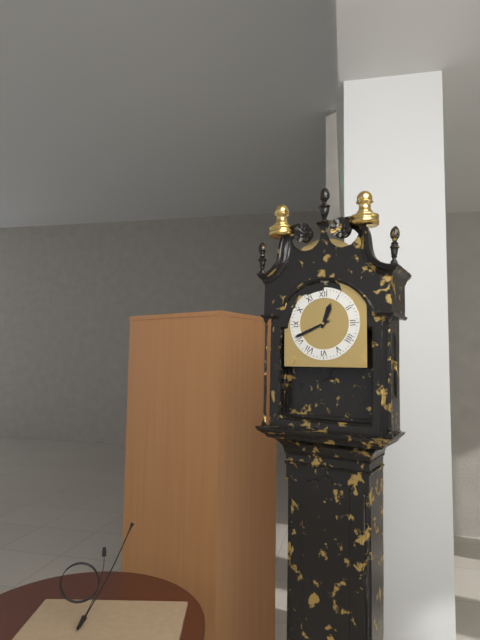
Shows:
{"hour": 12, "minute": 41}
